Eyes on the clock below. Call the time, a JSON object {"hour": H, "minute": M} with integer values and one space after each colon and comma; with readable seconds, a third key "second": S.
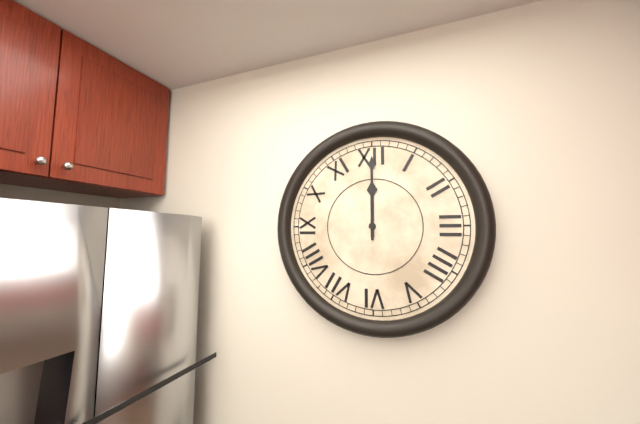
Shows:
{"hour": 12, "minute": 0}
